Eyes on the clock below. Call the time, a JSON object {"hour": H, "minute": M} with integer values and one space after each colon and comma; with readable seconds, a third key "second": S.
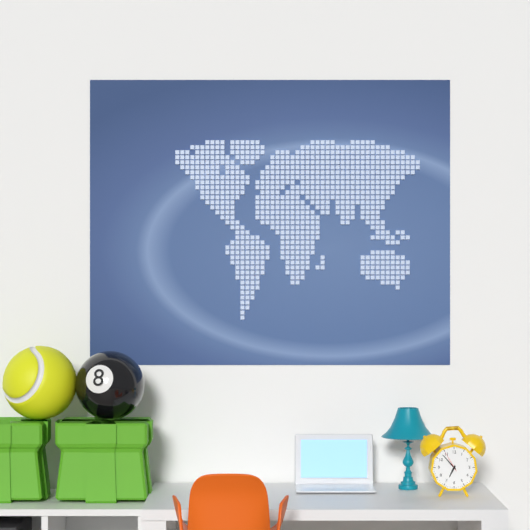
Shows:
{"hour": 6, "minute": 53}
